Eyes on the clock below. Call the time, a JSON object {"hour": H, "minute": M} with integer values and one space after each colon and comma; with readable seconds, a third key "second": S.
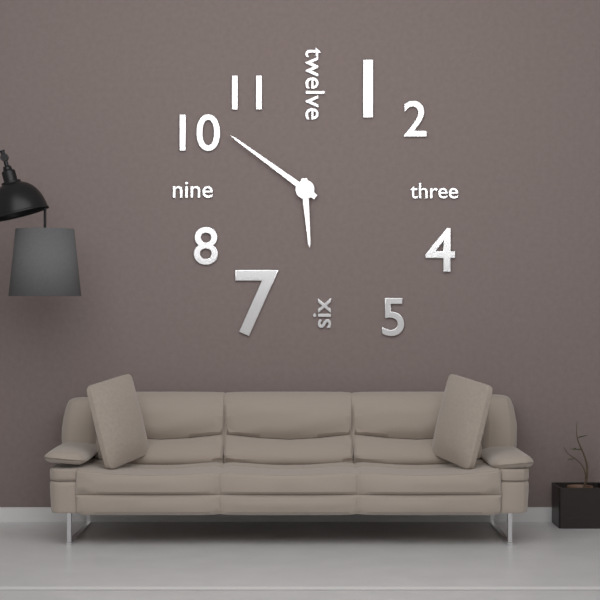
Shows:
{"hour": 5, "minute": 51}
